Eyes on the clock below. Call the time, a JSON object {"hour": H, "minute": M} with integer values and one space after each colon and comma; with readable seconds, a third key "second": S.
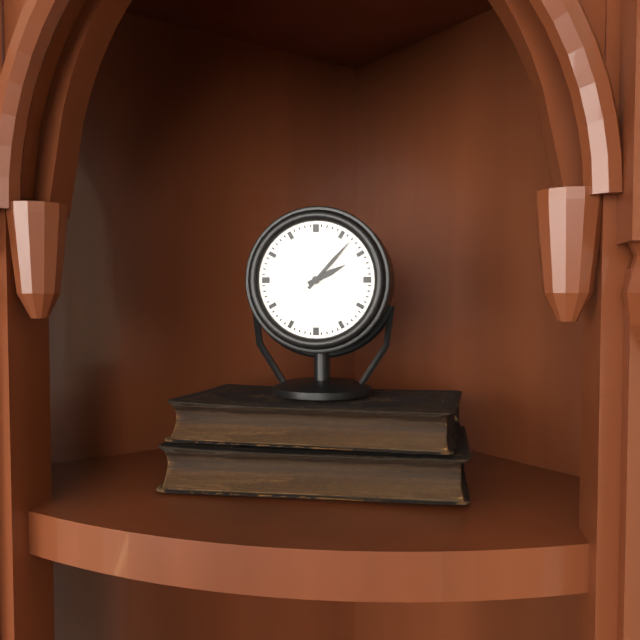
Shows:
{"hour": 2, "minute": 7}
